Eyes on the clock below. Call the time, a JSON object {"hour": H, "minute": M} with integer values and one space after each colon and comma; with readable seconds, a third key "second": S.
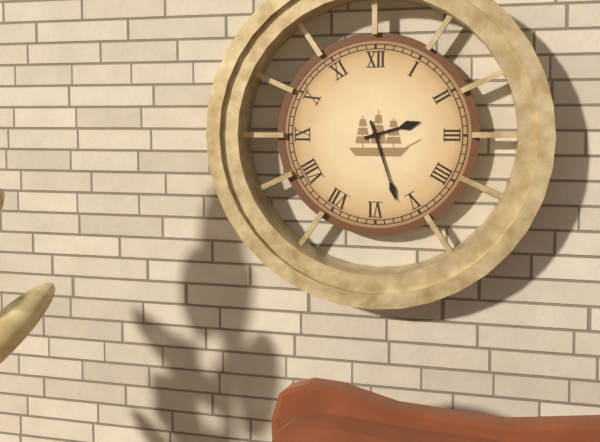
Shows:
{"hour": 2, "minute": 27}
